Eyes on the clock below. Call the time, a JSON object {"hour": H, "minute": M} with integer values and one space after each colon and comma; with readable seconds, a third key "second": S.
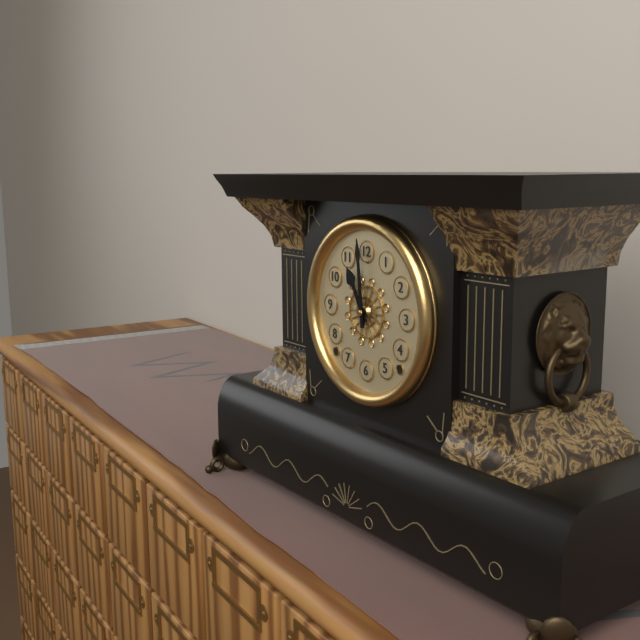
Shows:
{"hour": 10, "minute": 59}
